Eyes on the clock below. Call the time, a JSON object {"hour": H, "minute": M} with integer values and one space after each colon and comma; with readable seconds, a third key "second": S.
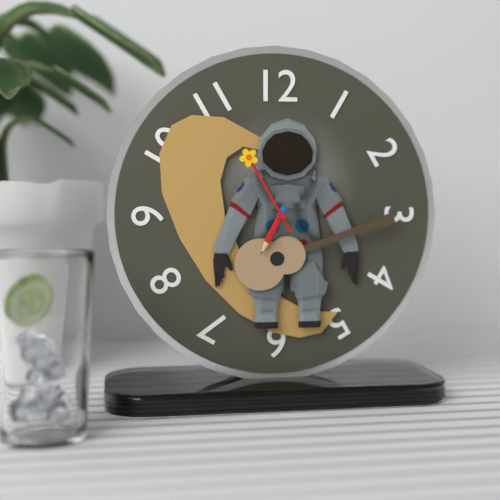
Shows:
{"hour": 6, "minute": 55}
